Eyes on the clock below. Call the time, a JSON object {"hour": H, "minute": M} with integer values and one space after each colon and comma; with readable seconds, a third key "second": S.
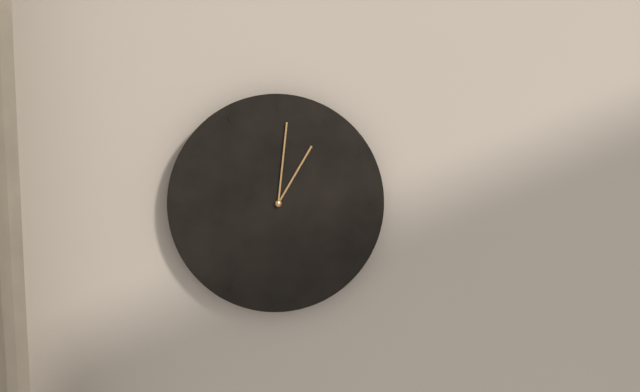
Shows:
{"hour": 1, "minute": 1}
